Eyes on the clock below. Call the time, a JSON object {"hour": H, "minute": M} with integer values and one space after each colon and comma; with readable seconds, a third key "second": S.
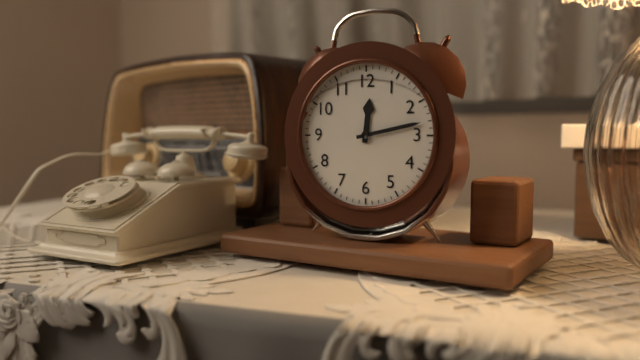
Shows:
{"hour": 12, "minute": 13}
